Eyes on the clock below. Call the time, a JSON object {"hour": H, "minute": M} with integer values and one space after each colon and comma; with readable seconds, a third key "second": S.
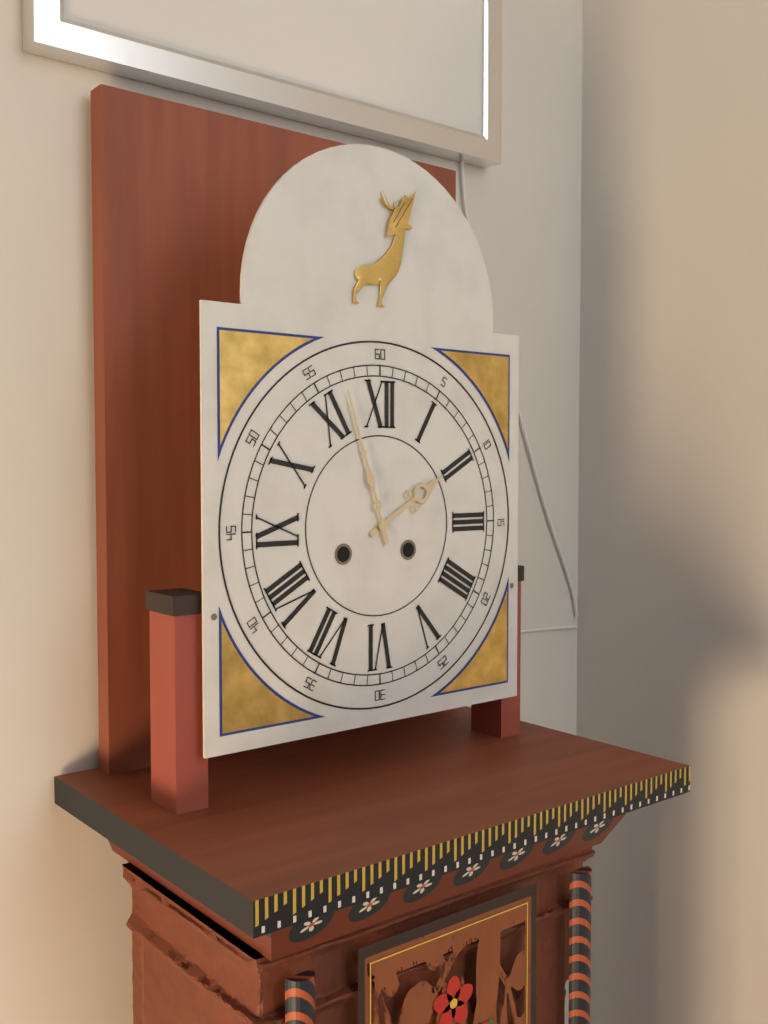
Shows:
{"hour": 1, "minute": 57}
